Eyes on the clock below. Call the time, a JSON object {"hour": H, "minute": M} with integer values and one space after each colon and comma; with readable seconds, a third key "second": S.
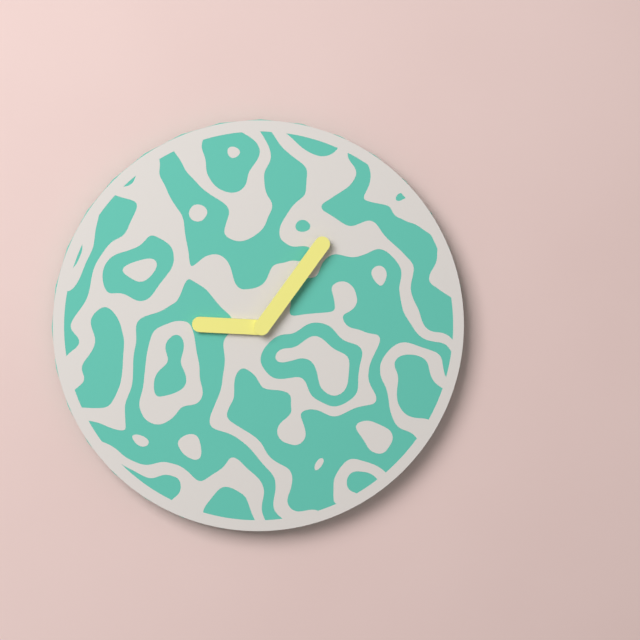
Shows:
{"hour": 9, "minute": 6}
